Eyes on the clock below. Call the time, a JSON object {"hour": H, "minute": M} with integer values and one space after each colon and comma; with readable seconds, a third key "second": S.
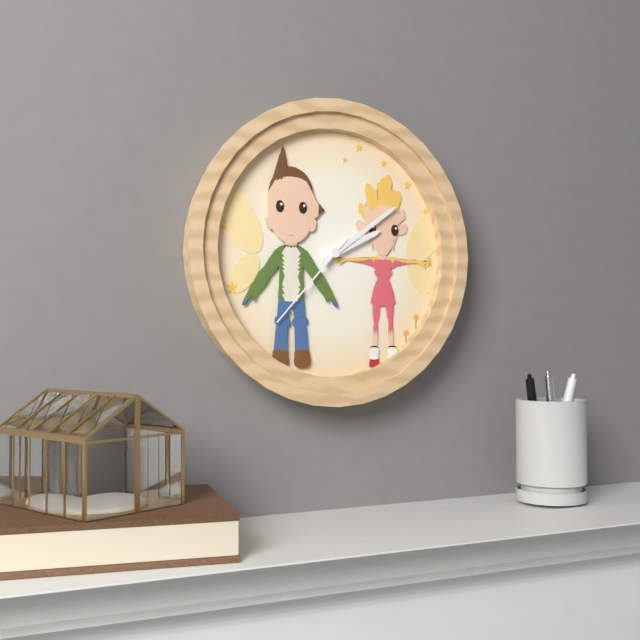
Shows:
{"hour": 2, "minute": 9, "second": 37}
